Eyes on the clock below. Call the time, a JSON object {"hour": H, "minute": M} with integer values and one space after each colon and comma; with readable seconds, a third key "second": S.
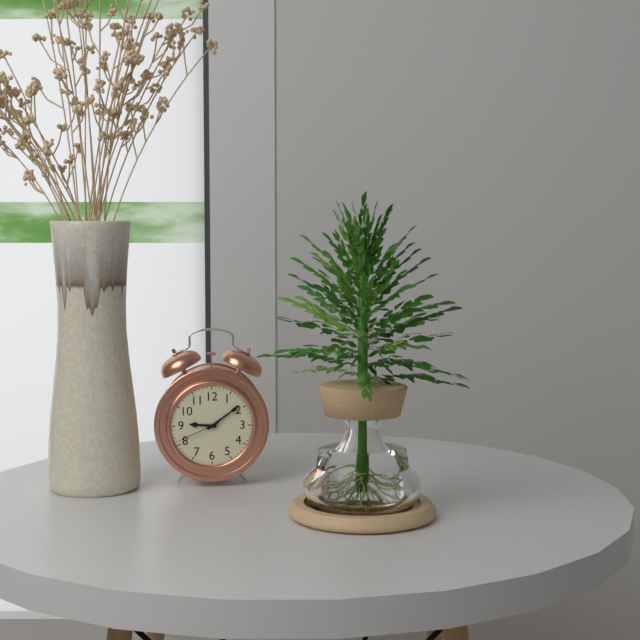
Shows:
{"hour": 9, "minute": 9}
